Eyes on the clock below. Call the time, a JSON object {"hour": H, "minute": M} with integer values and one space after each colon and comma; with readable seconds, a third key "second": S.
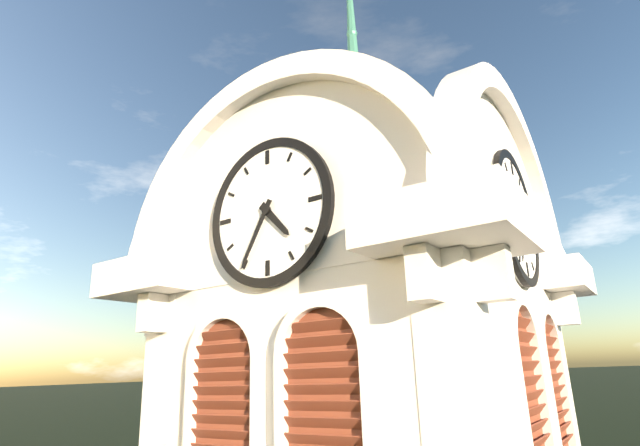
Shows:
{"hour": 4, "minute": 35}
